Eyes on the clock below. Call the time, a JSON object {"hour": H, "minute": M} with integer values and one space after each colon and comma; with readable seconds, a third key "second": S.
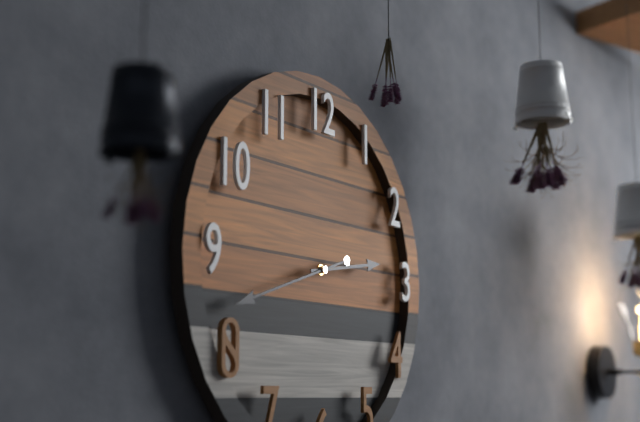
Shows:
{"hour": 2, "minute": 42}
